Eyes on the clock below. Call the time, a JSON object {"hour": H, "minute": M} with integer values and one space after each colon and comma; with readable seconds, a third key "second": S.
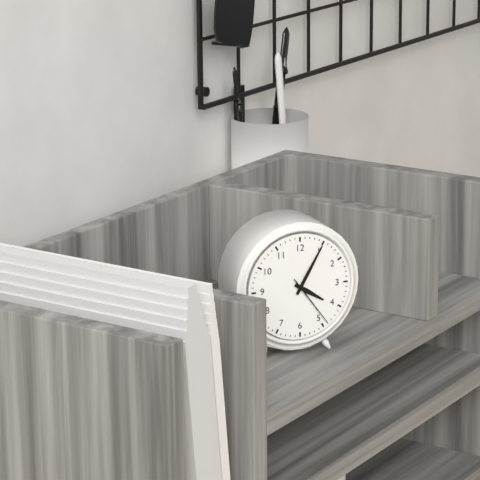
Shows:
{"hour": 4, "minute": 5, "second": 24}
